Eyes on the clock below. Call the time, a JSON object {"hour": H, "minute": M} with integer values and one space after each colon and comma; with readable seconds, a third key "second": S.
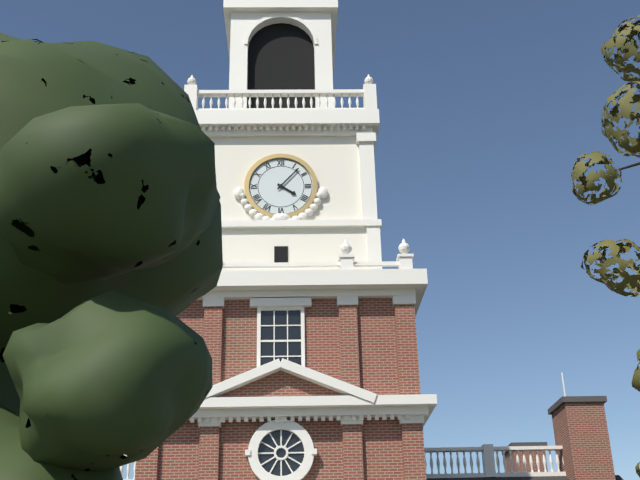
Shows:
{"hour": 4, "minute": 7}
